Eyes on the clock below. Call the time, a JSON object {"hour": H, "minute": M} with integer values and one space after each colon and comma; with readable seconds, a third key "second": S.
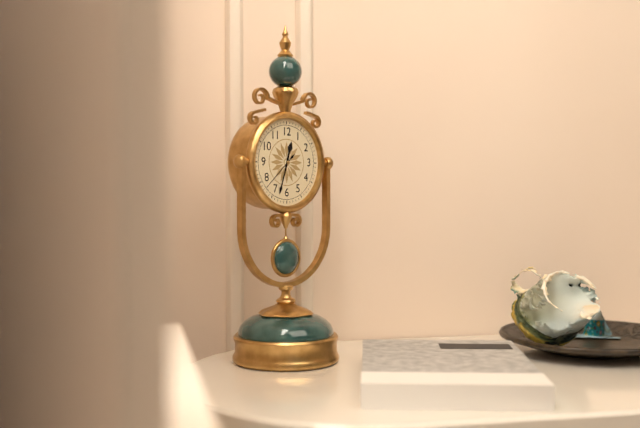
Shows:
{"hour": 12, "minute": 33}
